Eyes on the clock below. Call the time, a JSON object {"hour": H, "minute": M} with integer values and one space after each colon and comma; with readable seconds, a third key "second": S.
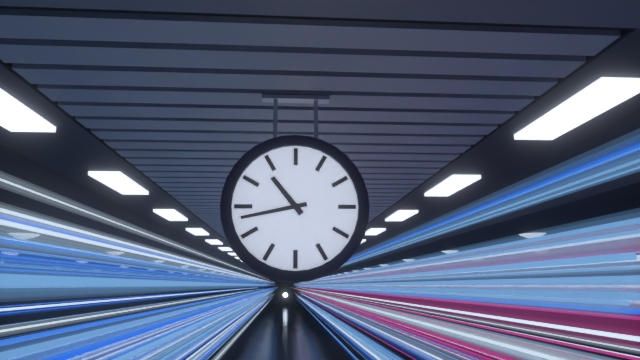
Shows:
{"hour": 10, "minute": 43}
